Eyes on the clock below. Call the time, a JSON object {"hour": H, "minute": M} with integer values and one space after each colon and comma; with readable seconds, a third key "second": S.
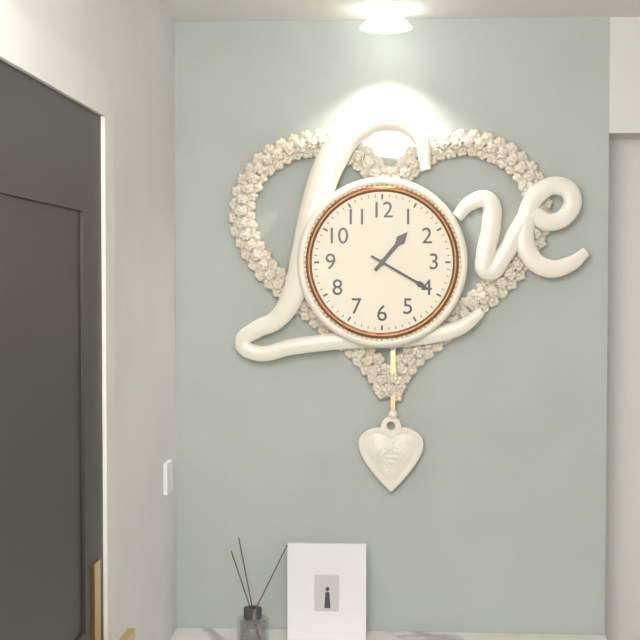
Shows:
{"hour": 1, "minute": 20}
